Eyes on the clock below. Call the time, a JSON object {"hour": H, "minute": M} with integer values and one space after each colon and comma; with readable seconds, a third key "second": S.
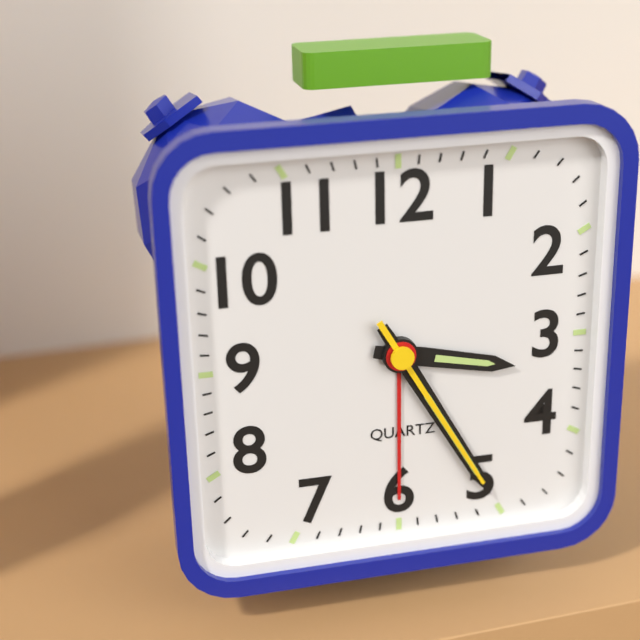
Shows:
{"hour": 3, "minute": 25, "second": 25}
